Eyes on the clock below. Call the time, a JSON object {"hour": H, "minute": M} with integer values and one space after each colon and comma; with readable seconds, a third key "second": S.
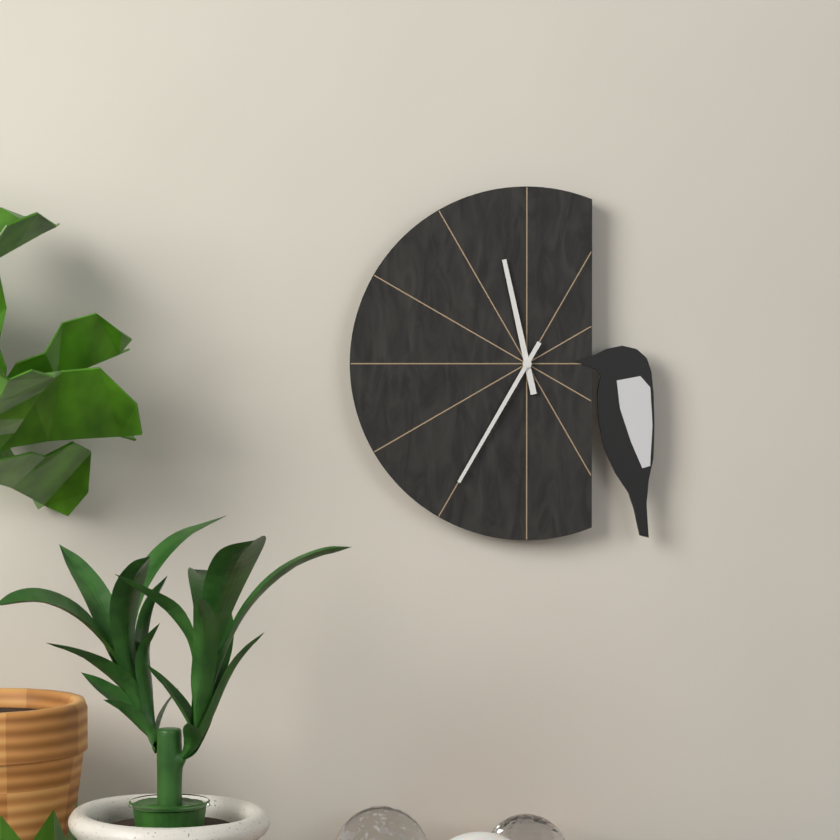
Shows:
{"hour": 11, "minute": 35}
